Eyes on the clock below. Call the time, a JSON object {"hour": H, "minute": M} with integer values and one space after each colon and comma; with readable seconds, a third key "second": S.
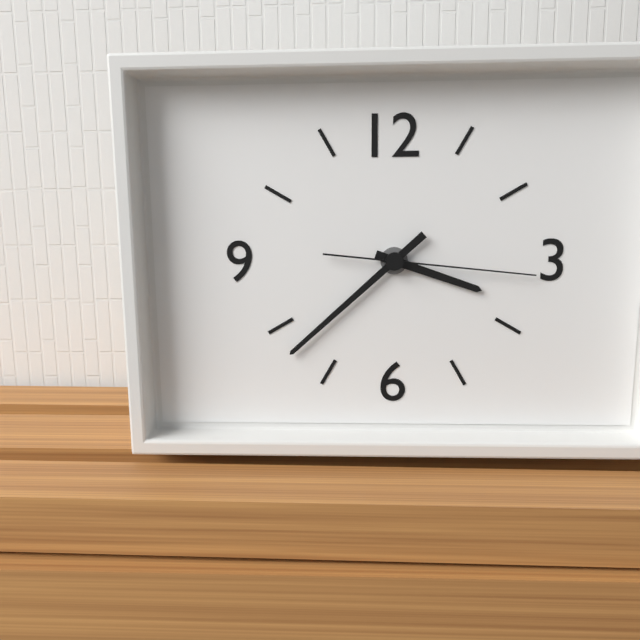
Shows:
{"hour": 3, "minute": 38, "second": 16}
